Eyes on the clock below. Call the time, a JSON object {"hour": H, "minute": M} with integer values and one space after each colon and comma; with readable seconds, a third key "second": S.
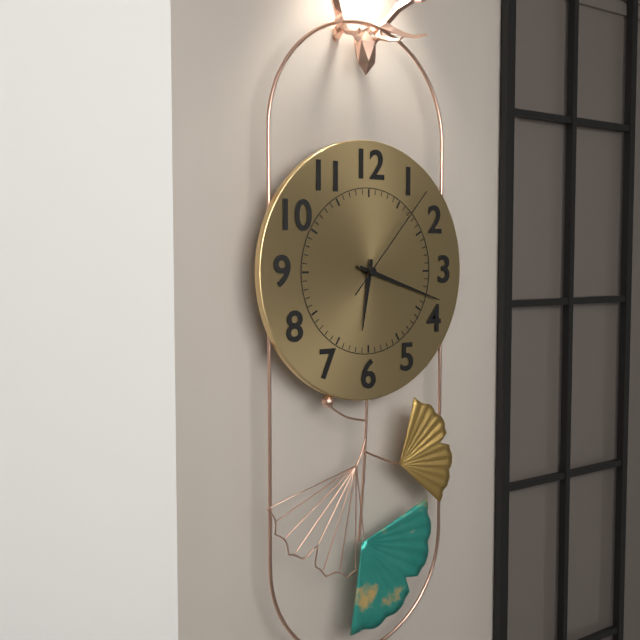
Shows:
{"hour": 6, "minute": 18, "second": 7}
